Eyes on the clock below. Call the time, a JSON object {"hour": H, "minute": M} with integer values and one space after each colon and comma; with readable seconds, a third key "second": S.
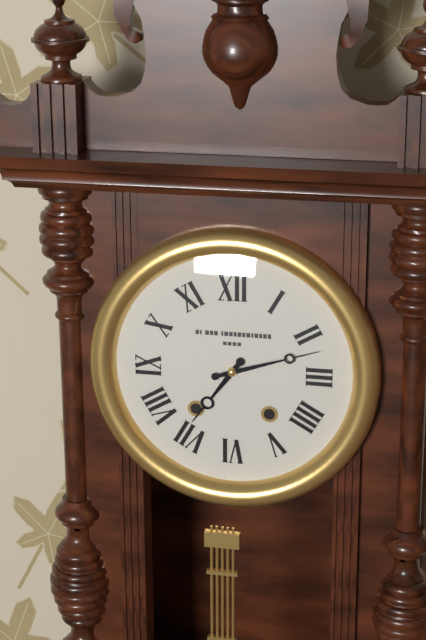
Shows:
{"hour": 7, "minute": 12}
